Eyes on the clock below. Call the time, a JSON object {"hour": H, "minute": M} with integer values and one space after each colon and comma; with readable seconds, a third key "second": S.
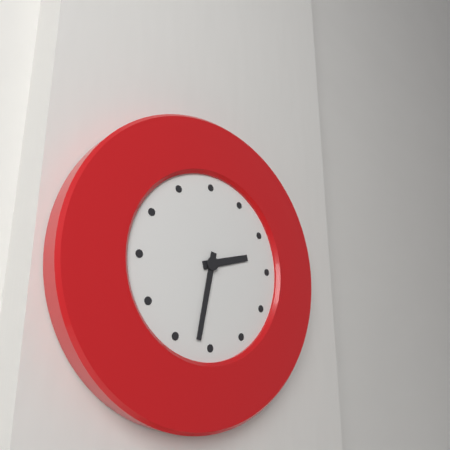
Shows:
{"hour": 2, "minute": 32}
